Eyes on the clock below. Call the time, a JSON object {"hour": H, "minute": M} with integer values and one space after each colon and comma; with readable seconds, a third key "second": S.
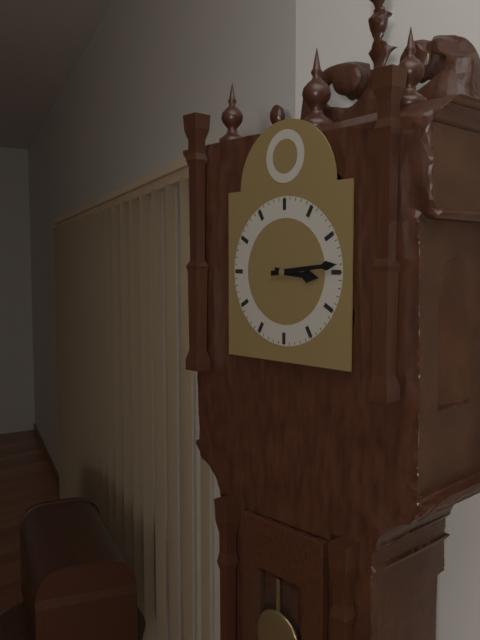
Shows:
{"hour": 3, "minute": 14}
